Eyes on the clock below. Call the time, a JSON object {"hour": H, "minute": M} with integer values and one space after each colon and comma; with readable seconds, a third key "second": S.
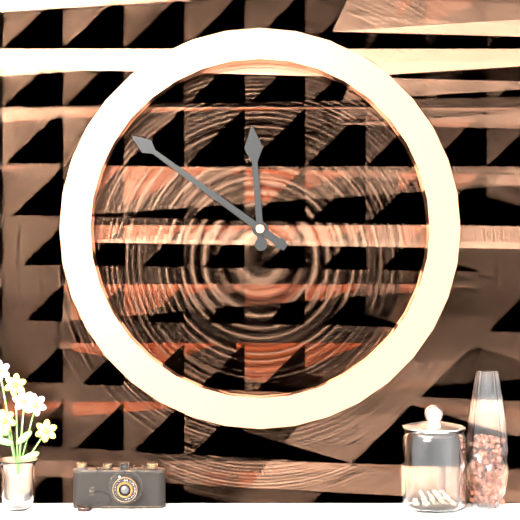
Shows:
{"hour": 11, "minute": 51}
